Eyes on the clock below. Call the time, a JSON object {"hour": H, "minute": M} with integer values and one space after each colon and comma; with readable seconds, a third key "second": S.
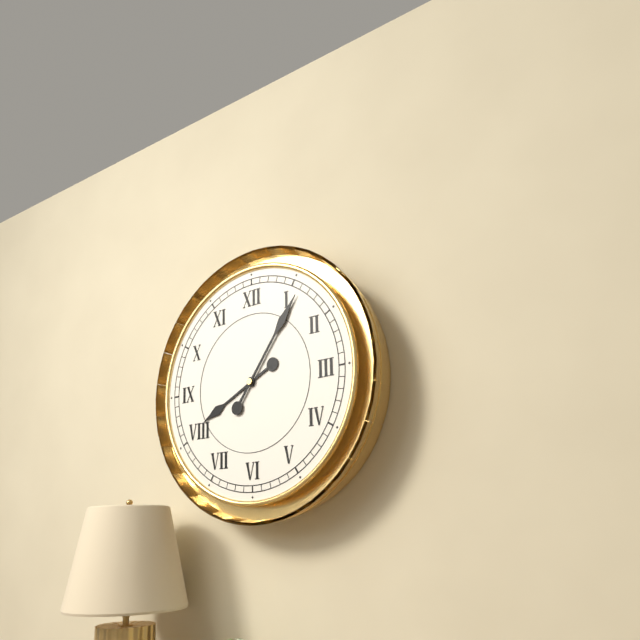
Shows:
{"hour": 8, "minute": 6}
